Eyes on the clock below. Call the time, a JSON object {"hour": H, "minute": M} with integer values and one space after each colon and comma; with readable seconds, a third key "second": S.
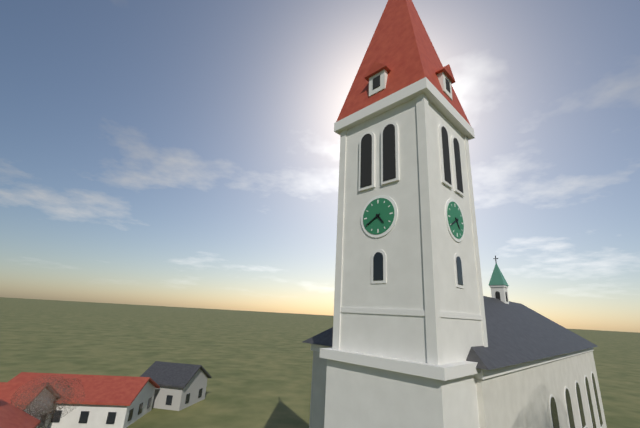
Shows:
{"hour": 4, "minute": 40}
